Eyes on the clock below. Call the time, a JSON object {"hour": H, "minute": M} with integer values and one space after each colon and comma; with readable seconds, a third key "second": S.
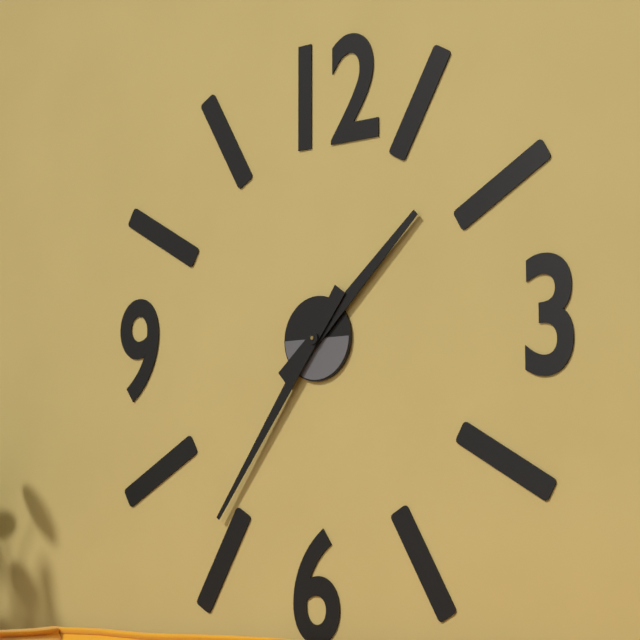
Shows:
{"hour": 1, "minute": 36}
